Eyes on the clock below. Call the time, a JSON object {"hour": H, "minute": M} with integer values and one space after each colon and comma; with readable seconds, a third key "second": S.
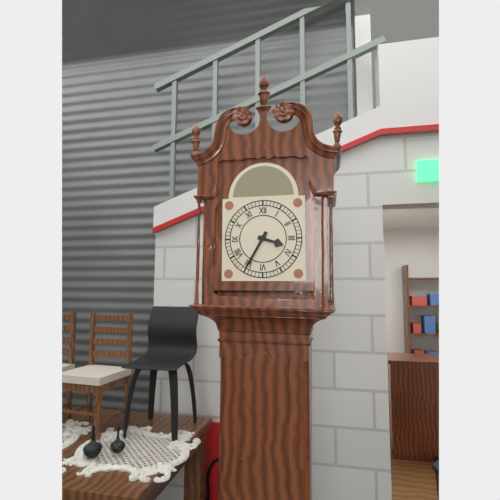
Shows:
{"hour": 3, "minute": 35}
